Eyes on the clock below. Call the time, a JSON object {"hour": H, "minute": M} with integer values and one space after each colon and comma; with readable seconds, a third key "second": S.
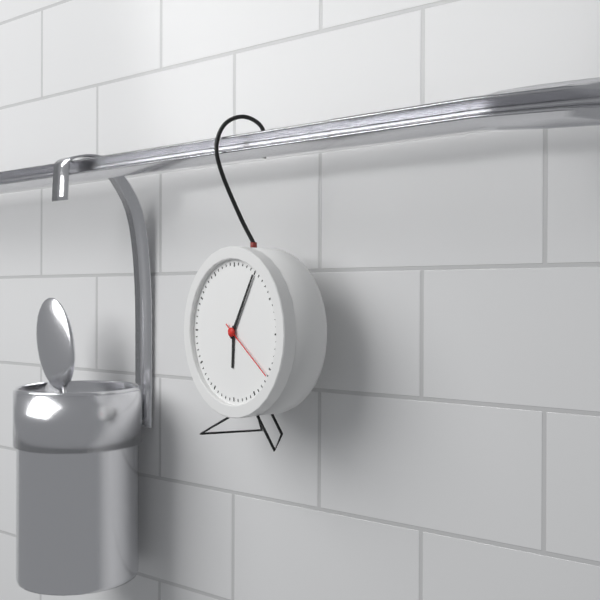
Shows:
{"hour": 6, "minute": 5, "second": 21}
